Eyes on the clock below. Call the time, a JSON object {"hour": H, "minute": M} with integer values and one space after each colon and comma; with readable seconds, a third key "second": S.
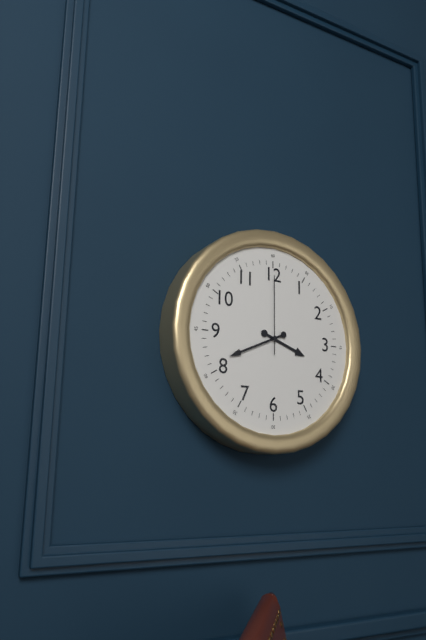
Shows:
{"hour": 3, "minute": 41, "second": 0}
